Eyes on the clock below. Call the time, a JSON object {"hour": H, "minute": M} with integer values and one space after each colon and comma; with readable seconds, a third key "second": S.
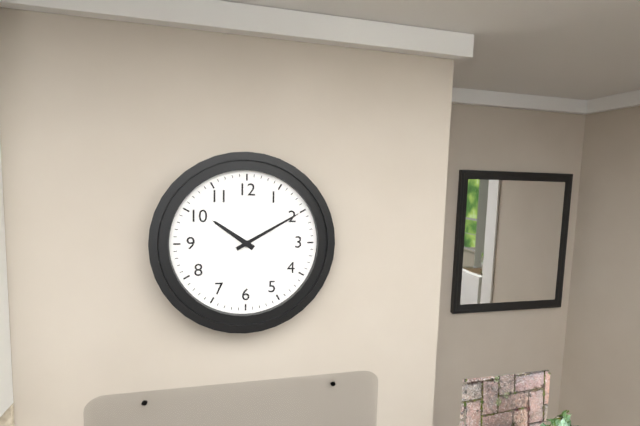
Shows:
{"hour": 10, "minute": 10}
